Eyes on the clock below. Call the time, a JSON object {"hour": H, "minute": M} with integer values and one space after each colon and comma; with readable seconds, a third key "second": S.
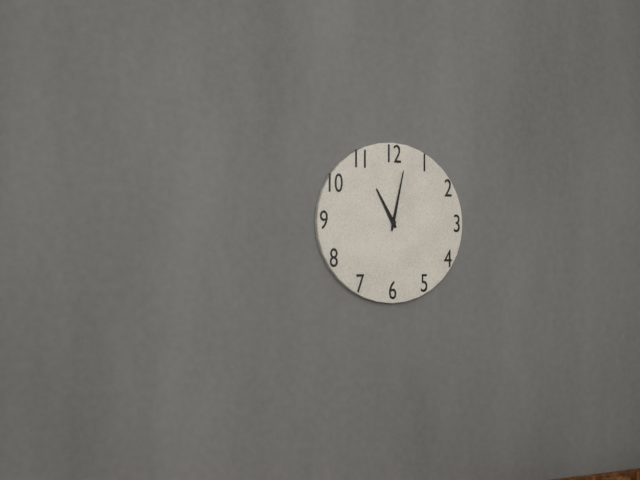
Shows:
{"hour": 11, "minute": 2}
